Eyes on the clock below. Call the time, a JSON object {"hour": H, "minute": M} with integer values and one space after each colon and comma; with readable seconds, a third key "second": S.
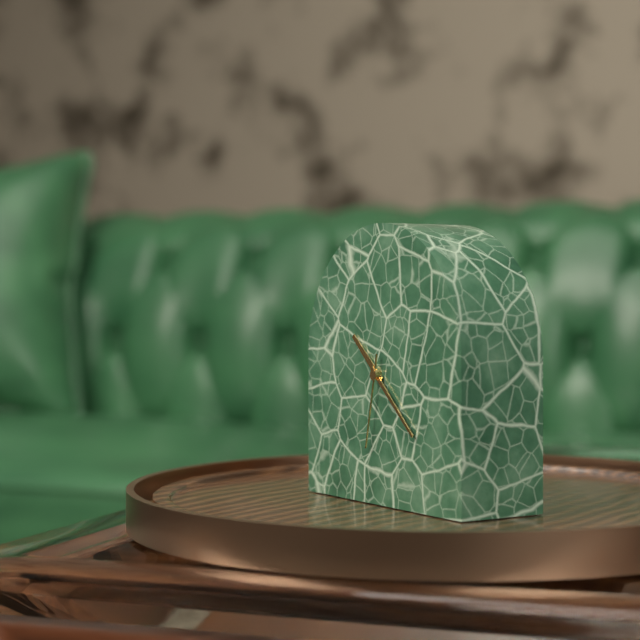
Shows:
{"hour": 10, "minute": 22, "second": 32}
